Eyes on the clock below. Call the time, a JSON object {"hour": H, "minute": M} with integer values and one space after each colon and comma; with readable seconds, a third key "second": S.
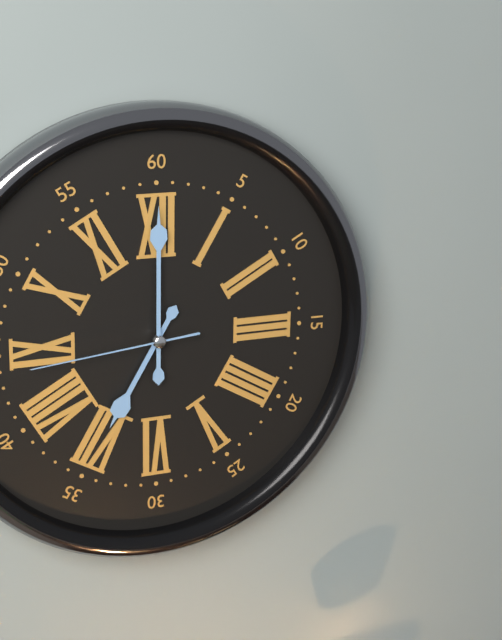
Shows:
{"hour": 7, "minute": 0, "second": 44}
